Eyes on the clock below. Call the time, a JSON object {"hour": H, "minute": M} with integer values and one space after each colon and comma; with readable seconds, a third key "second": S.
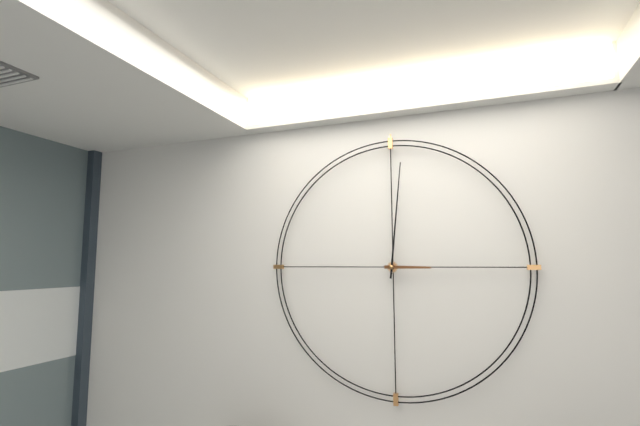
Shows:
{"hour": 3, "minute": 1}
